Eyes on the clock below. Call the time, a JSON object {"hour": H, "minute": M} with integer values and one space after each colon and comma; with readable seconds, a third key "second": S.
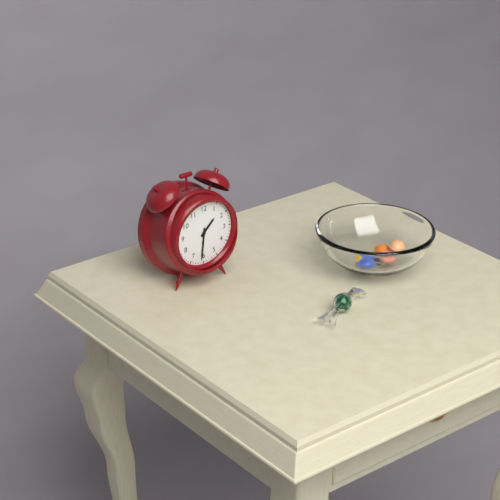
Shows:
{"hour": 1, "minute": 31}
